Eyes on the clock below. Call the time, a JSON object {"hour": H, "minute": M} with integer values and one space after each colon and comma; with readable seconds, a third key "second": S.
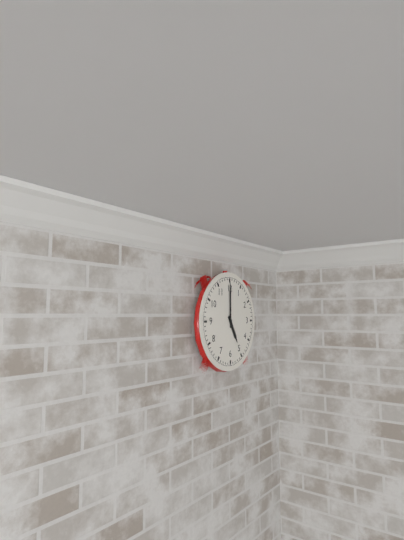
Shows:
{"hour": 5, "minute": 0}
